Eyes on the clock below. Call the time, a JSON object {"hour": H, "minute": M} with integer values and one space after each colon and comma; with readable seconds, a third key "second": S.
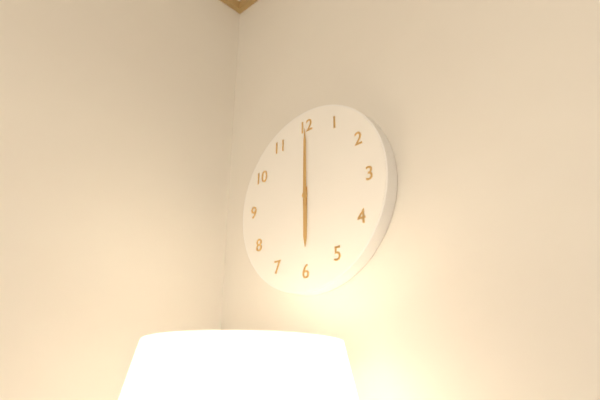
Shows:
{"hour": 6, "minute": 0}
